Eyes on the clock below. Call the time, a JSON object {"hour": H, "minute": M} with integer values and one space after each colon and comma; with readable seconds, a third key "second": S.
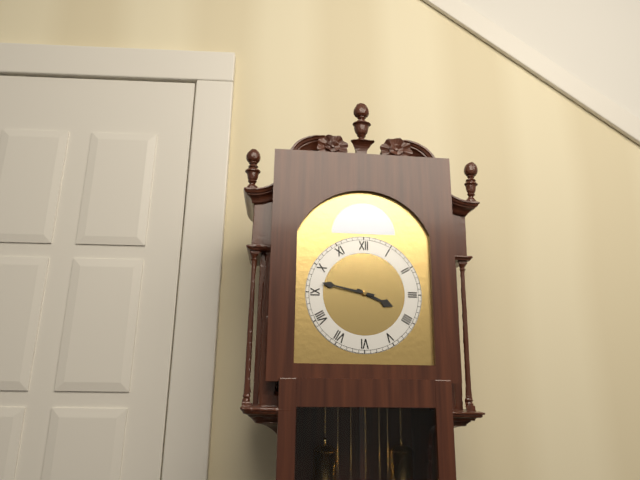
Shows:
{"hour": 3, "minute": 47}
